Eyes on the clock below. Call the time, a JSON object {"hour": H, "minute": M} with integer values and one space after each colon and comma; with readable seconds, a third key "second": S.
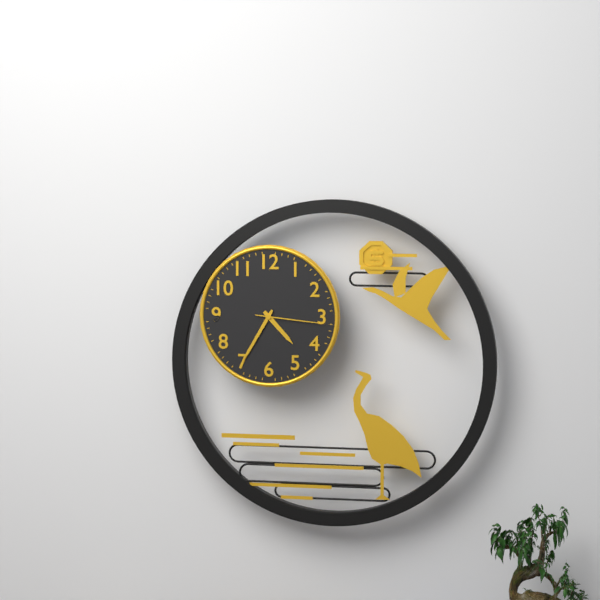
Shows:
{"hour": 4, "minute": 35, "second": 16}
